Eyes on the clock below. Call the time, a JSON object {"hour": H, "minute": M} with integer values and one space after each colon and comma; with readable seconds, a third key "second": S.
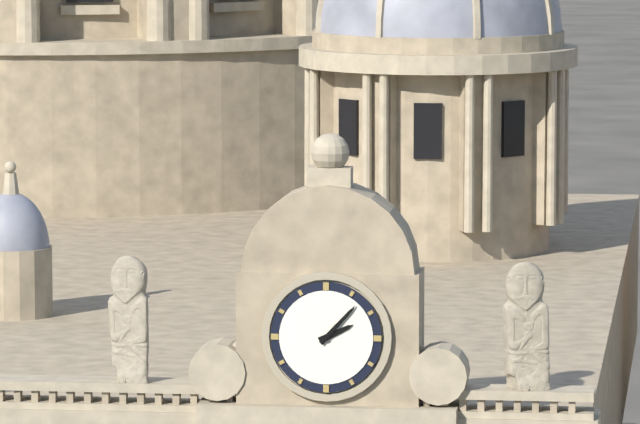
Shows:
{"hour": 2, "minute": 7}
